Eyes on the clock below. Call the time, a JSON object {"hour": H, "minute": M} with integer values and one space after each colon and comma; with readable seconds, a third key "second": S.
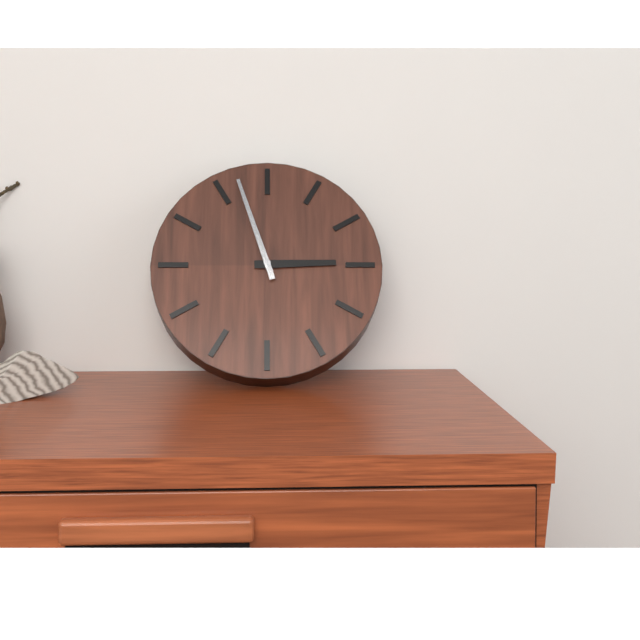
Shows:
{"hour": 2, "minute": 57}
